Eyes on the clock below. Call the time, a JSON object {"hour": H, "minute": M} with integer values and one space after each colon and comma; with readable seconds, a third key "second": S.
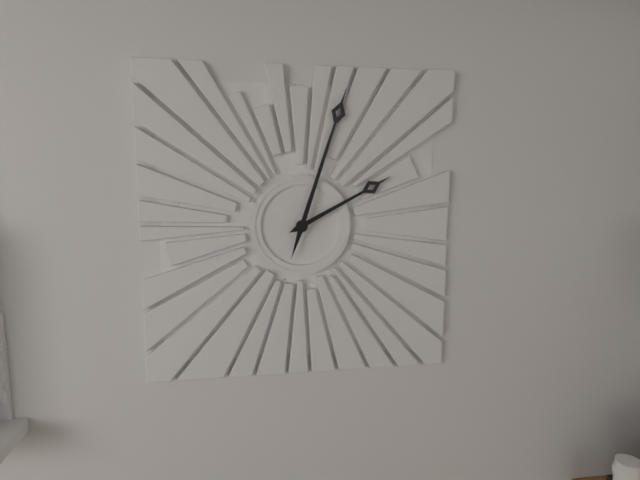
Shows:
{"hour": 2, "minute": 3}
